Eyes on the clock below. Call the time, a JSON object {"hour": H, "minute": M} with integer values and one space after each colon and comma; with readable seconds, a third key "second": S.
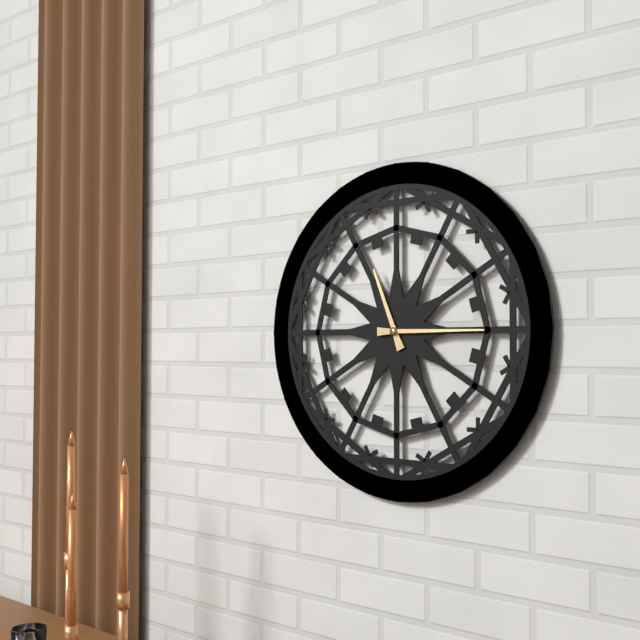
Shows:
{"hour": 11, "minute": 15}
